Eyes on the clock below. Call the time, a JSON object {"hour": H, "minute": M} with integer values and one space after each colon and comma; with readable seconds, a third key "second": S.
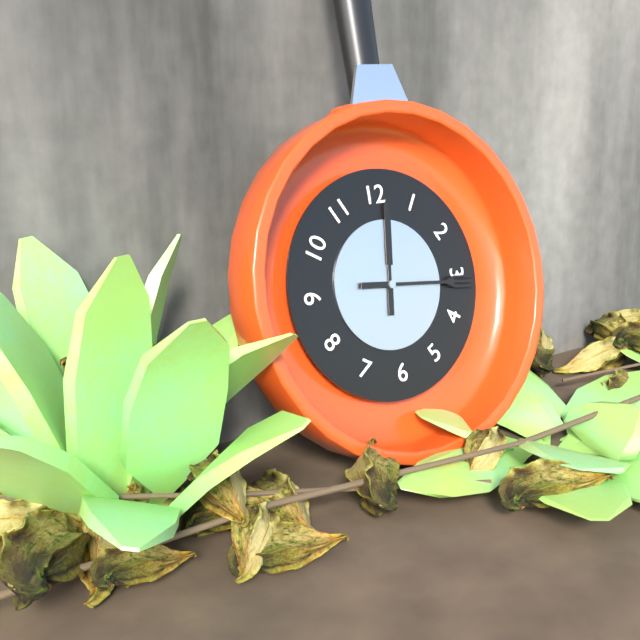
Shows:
{"hour": 12, "minute": 16}
